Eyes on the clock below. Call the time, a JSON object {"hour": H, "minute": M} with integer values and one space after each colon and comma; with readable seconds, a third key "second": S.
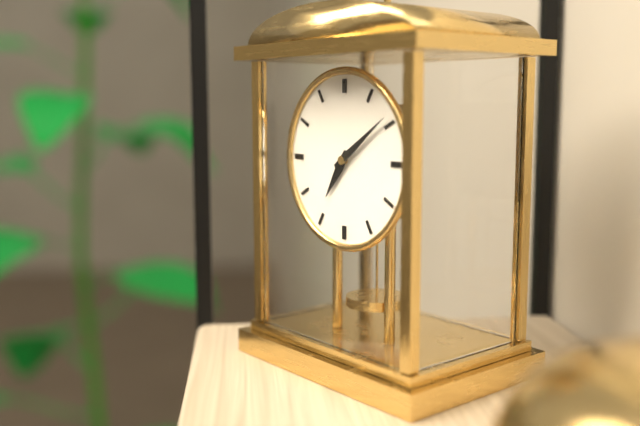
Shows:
{"hour": 7, "minute": 9}
